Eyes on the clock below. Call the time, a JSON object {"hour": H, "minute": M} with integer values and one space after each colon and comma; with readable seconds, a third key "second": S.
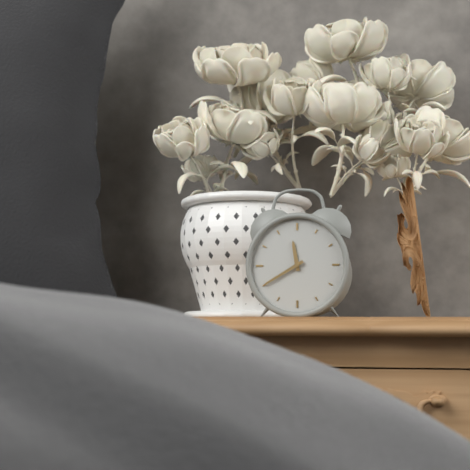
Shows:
{"hour": 11, "minute": 40}
